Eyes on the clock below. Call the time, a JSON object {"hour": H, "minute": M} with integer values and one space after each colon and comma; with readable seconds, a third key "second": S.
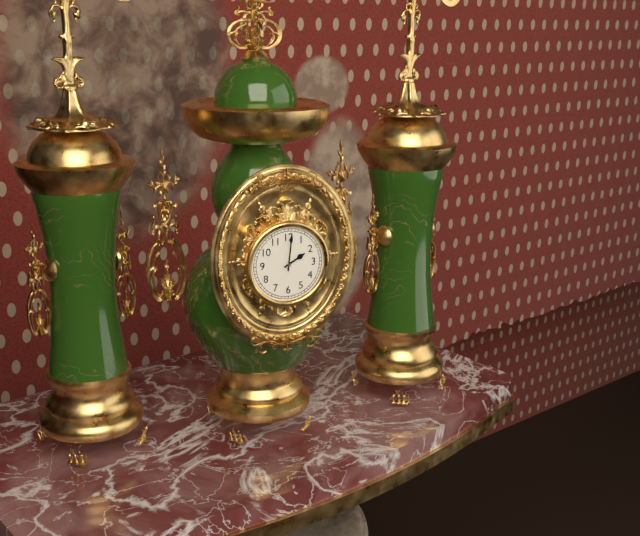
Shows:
{"hour": 2, "minute": 1}
